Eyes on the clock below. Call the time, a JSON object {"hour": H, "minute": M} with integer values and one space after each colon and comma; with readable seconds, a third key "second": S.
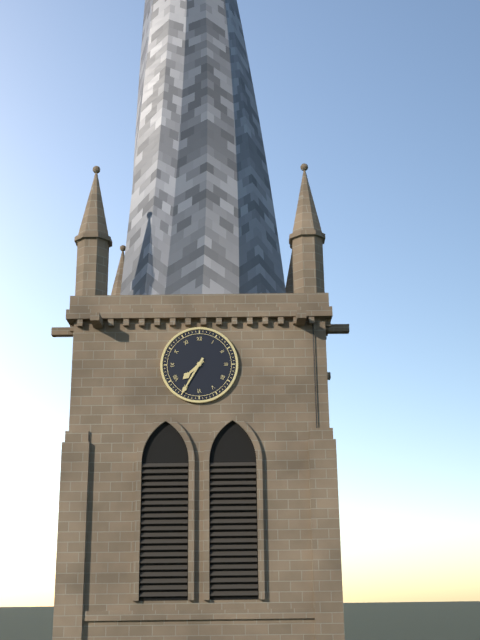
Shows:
{"hour": 7, "minute": 35}
